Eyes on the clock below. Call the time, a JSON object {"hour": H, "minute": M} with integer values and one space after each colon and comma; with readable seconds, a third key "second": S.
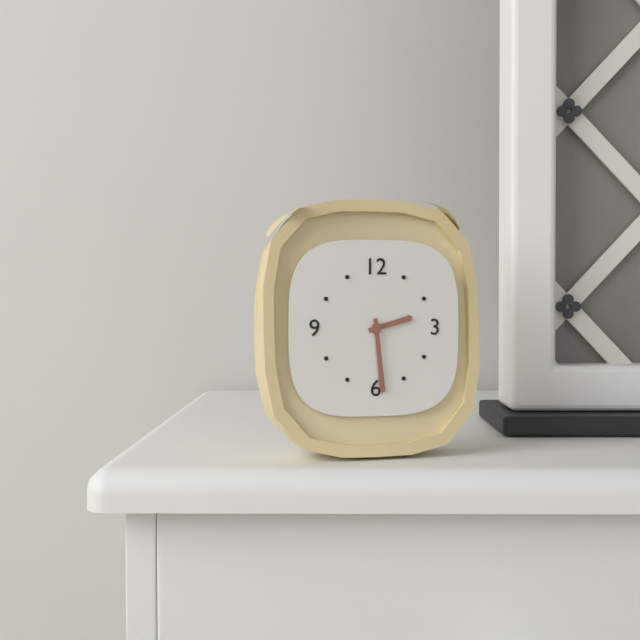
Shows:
{"hour": 2, "minute": 29}
